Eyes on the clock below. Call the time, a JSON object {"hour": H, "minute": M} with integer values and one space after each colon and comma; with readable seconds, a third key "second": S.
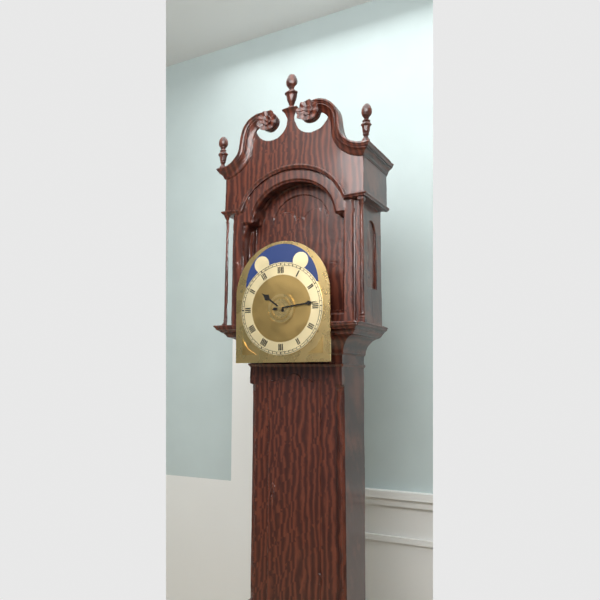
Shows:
{"hour": 10, "minute": 14}
